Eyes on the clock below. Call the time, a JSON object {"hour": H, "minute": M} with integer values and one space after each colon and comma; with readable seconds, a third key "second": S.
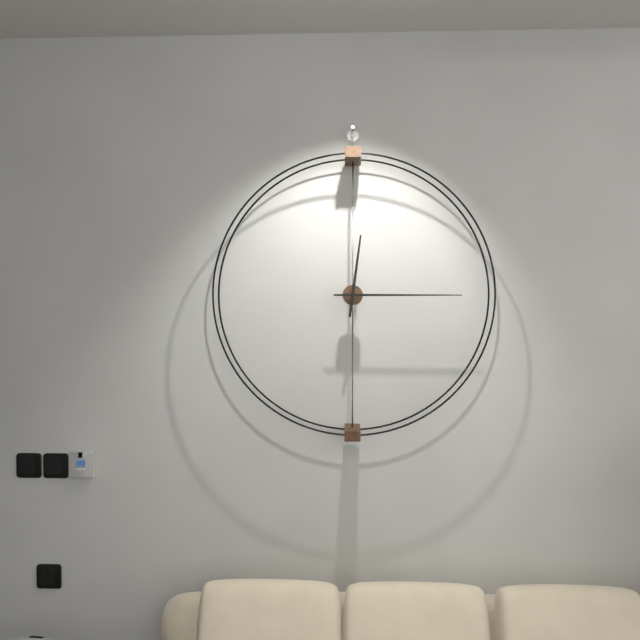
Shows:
{"hour": 12, "minute": 15}
